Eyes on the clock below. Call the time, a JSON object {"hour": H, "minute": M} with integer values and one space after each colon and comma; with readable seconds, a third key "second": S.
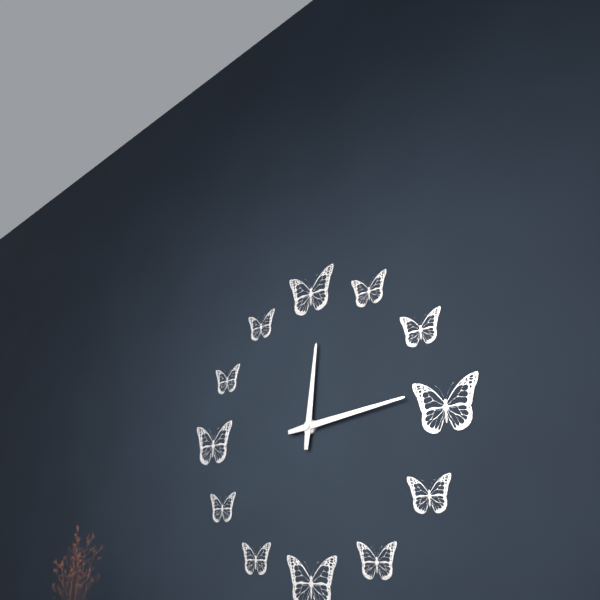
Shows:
{"hour": 12, "minute": 14}
